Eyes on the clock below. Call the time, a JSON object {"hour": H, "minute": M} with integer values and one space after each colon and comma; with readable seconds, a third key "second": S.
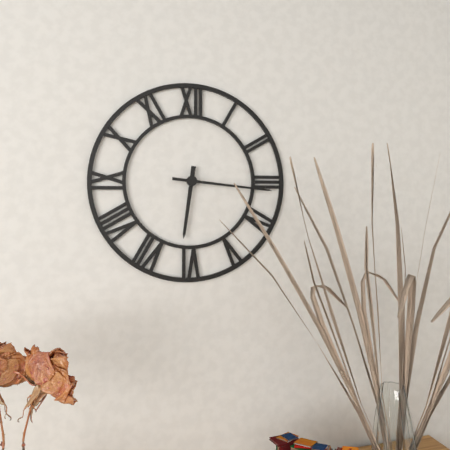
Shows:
{"hour": 6, "minute": 16}
